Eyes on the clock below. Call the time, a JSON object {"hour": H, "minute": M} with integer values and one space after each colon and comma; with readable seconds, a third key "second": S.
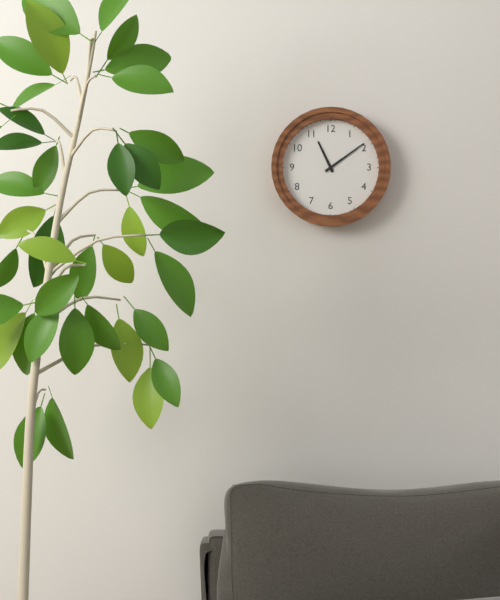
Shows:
{"hour": 11, "minute": 9}
